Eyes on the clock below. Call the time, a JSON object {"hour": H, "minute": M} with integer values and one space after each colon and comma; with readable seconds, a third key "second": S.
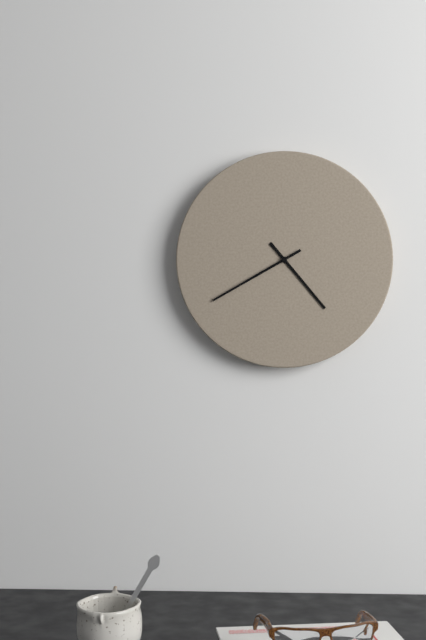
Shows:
{"hour": 4, "minute": 40}
